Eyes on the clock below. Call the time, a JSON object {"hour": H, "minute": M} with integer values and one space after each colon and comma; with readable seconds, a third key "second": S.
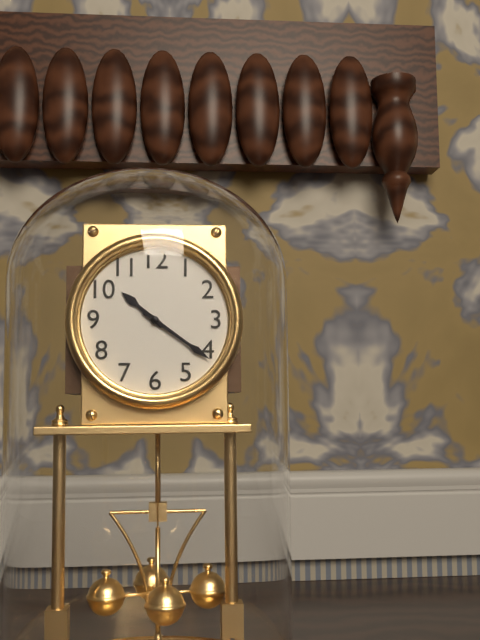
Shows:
{"hour": 10, "minute": 21}
